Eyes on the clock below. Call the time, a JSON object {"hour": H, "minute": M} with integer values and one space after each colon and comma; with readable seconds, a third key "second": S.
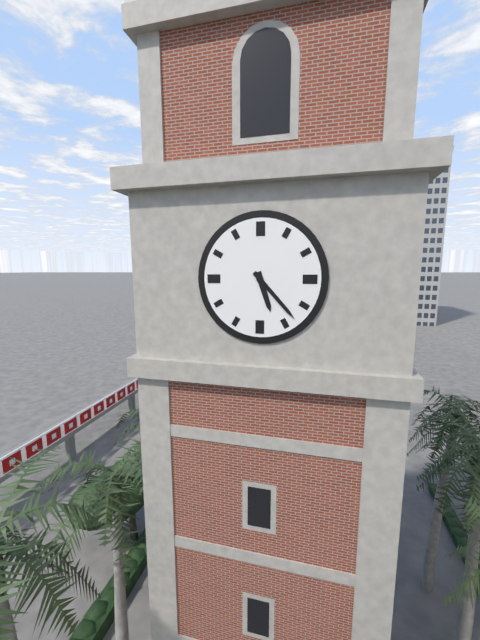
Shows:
{"hour": 5, "minute": 23}
